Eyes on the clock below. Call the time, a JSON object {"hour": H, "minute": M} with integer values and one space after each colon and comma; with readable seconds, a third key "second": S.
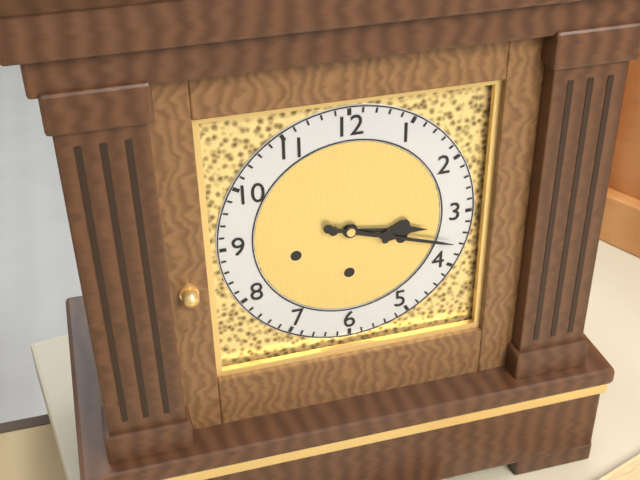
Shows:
{"hour": 3, "minute": 18}
